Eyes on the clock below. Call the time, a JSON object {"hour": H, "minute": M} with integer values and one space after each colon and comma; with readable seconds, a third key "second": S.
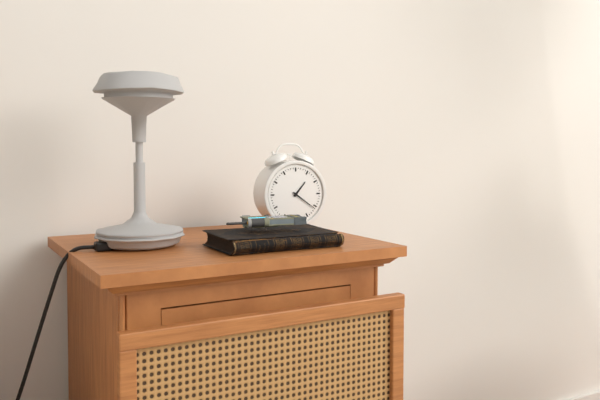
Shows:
{"hour": 1, "minute": 21}
